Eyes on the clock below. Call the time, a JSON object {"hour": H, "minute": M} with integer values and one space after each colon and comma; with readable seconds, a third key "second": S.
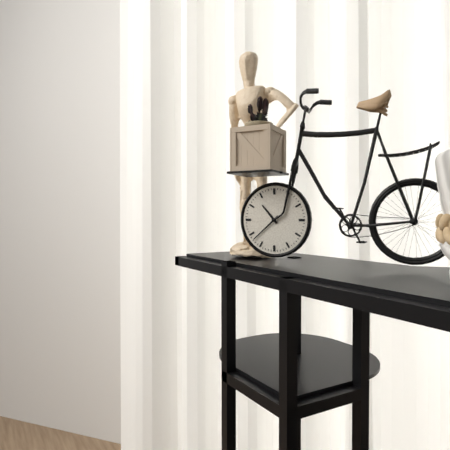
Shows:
{"hour": 10, "minute": 38}
